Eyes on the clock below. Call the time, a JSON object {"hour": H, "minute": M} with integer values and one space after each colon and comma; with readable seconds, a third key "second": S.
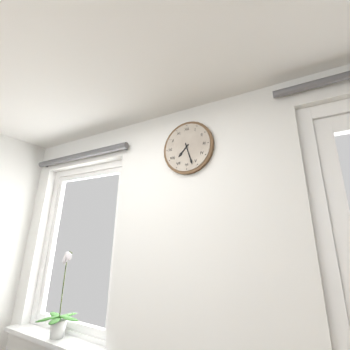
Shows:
{"hour": 7, "minute": 27}
